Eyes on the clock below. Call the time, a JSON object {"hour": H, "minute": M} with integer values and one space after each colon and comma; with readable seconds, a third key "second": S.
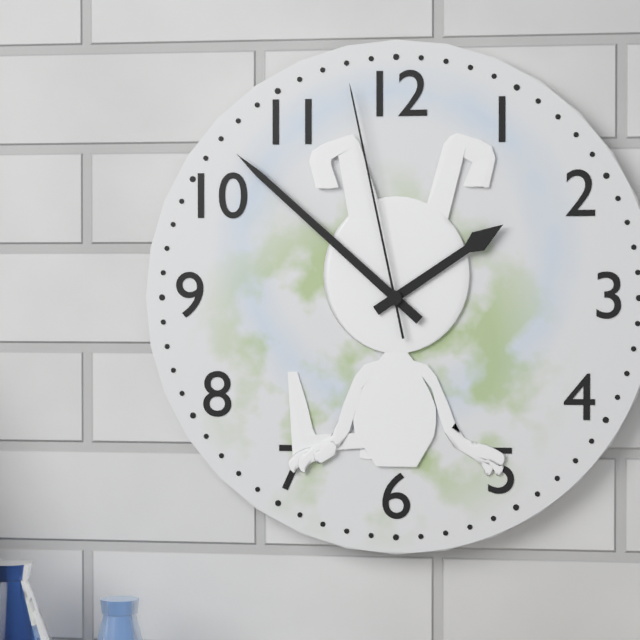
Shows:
{"hour": 1, "minute": 52, "second": 58}
